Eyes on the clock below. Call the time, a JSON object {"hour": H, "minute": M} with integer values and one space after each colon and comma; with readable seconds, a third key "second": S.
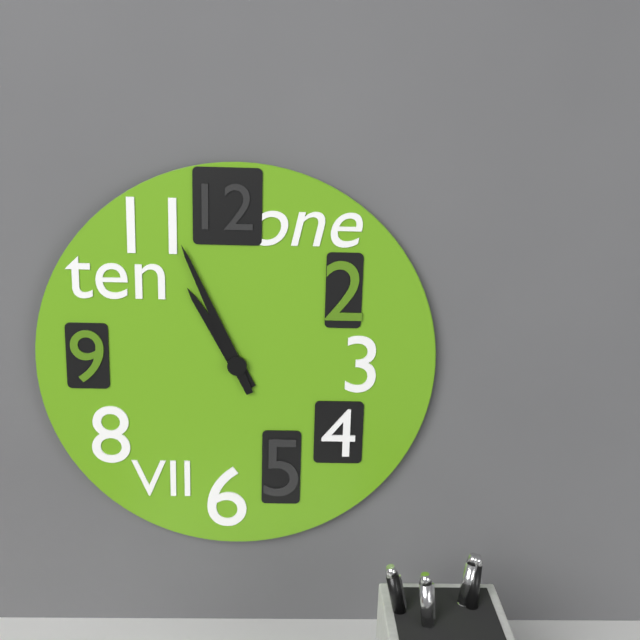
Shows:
{"hour": 10, "minute": 56}
